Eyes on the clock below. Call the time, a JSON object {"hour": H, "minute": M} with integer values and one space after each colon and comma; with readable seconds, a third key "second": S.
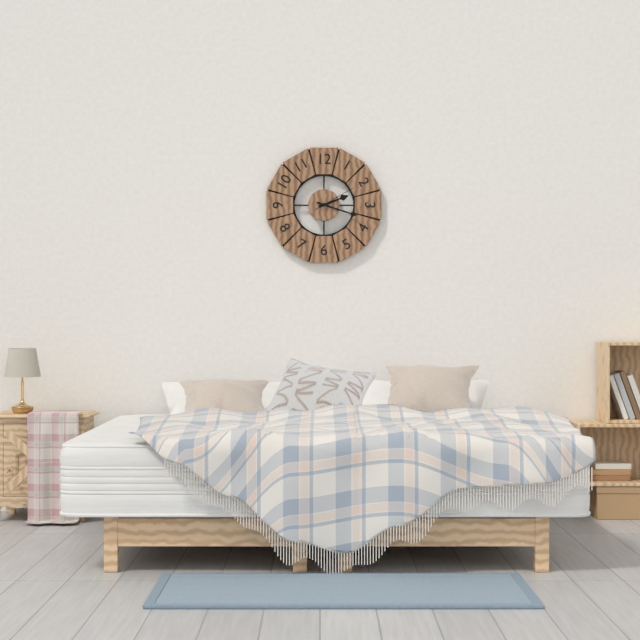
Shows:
{"hour": 2, "minute": 18}
